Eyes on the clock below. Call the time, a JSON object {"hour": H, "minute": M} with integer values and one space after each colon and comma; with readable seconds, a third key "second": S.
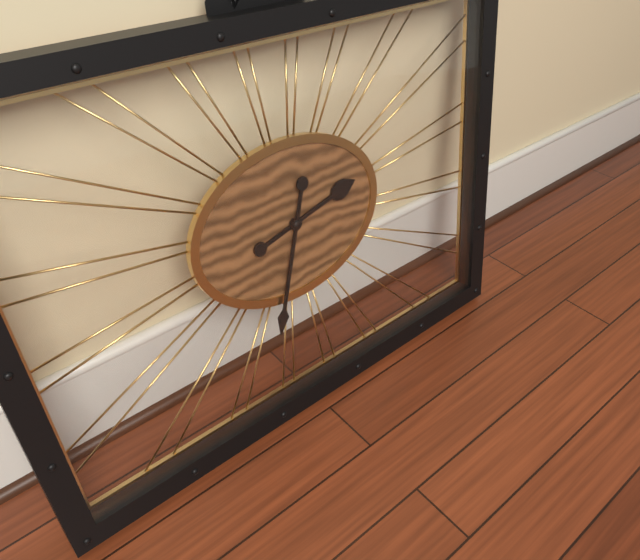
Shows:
{"hour": 2, "minute": 33}
